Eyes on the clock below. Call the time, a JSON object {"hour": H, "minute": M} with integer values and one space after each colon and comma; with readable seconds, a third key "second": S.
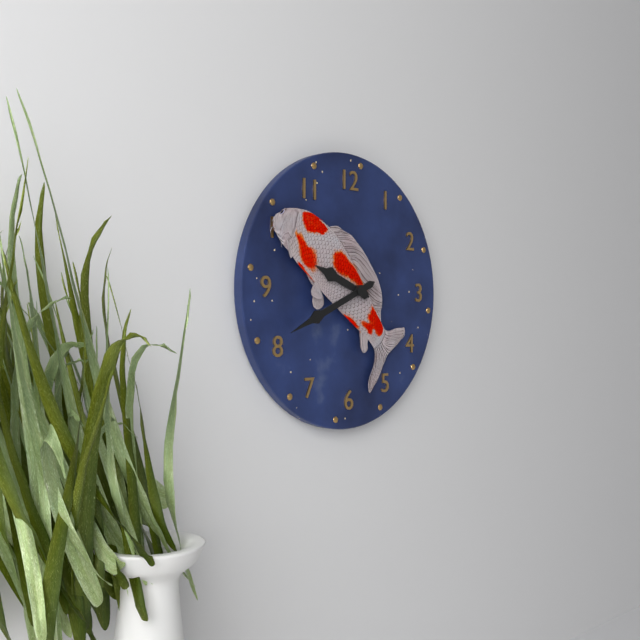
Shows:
{"hour": 9, "minute": 41}
